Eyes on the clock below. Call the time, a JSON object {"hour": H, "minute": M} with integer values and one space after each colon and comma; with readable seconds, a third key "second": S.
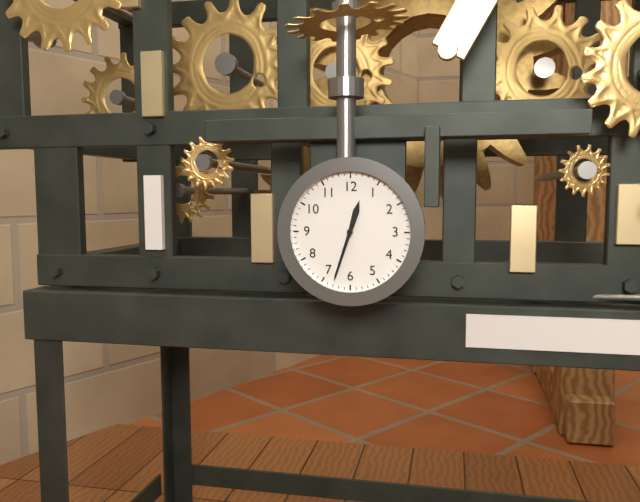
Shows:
{"hour": 12, "minute": 33}
